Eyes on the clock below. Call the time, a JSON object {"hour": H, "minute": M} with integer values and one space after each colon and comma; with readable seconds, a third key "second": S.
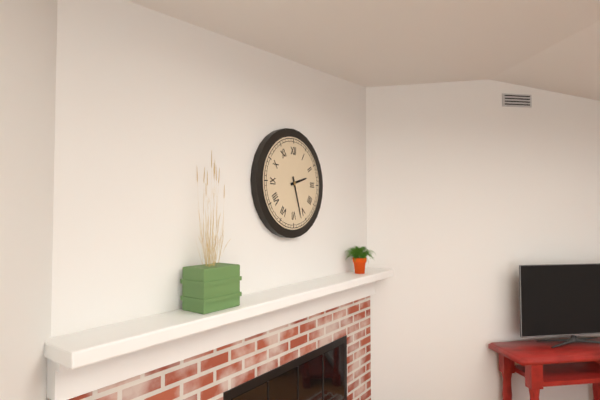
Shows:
{"hour": 2, "minute": 27}
